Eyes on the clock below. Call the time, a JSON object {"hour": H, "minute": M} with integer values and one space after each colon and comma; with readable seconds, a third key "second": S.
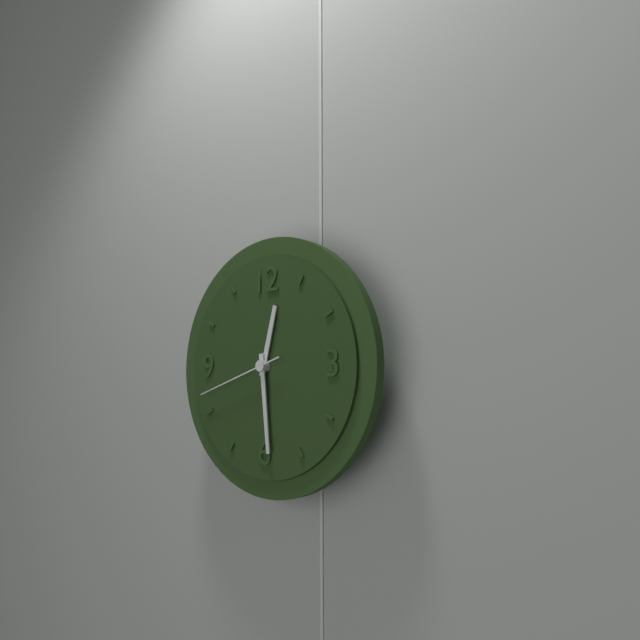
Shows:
{"hour": 12, "minute": 29, "second": 42}
